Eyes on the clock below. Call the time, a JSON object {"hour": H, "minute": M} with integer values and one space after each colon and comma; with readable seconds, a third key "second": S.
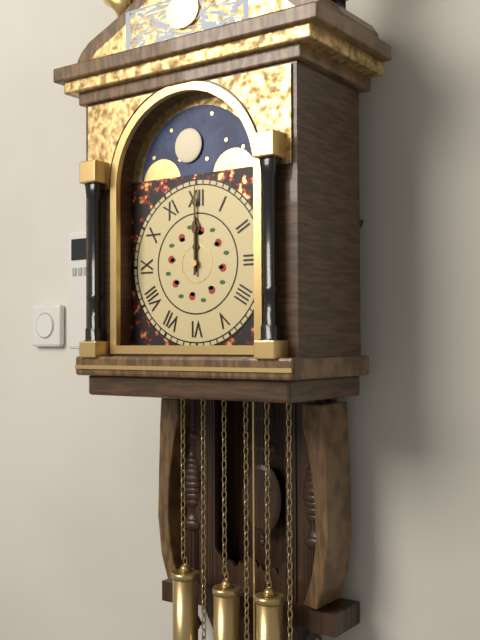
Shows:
{"hour": 12, "minute": 0}
